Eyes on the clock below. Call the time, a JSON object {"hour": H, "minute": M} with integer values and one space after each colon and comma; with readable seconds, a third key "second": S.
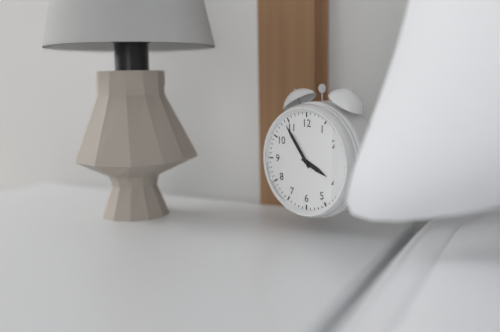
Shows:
{"hour": 3, "minute": 54}
